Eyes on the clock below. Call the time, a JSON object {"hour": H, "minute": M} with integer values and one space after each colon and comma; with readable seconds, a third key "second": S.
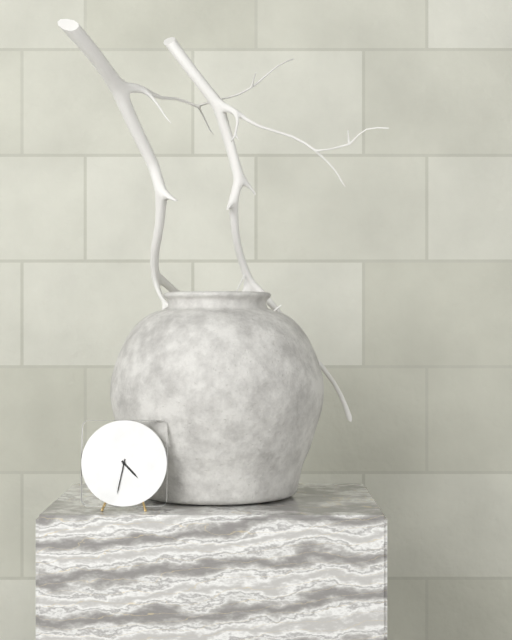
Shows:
{"hour": 4, "minute": 32}
